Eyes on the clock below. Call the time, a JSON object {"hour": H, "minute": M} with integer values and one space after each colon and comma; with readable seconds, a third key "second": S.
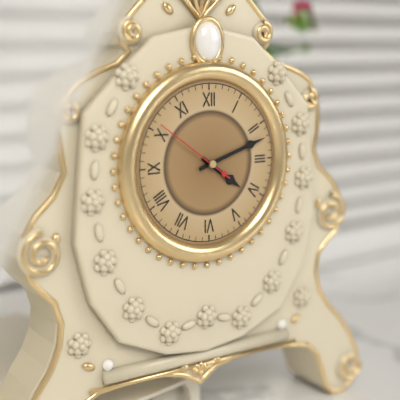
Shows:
{"hour": 4, "minute": 12, "second": 51}
